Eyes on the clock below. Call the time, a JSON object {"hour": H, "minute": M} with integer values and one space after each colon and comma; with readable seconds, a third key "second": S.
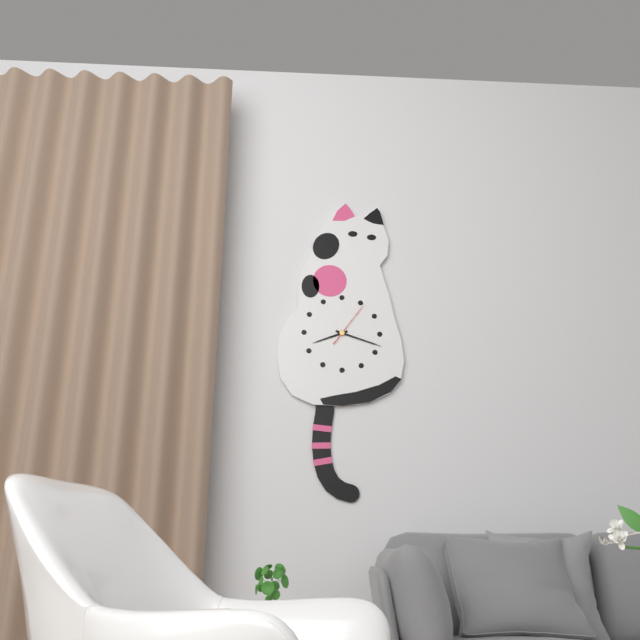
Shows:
{"hour": 8, "minute": 18}
